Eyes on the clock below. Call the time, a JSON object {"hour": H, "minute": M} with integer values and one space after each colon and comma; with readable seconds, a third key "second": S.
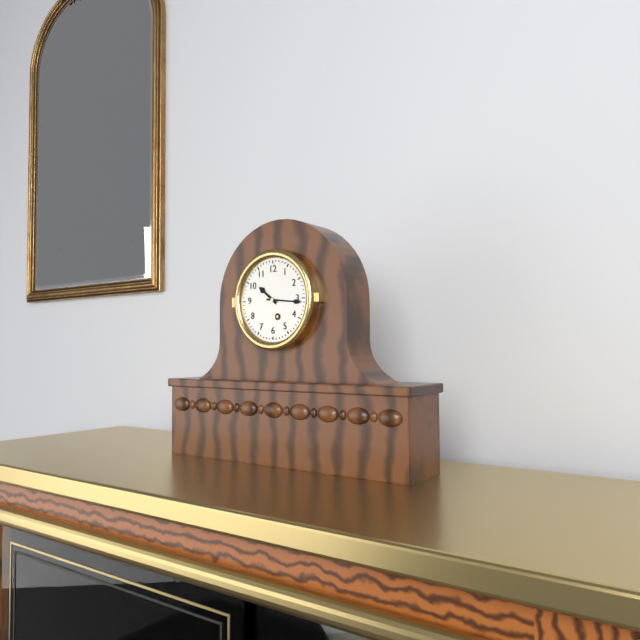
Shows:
{"hour": 10, "minute": 16}
